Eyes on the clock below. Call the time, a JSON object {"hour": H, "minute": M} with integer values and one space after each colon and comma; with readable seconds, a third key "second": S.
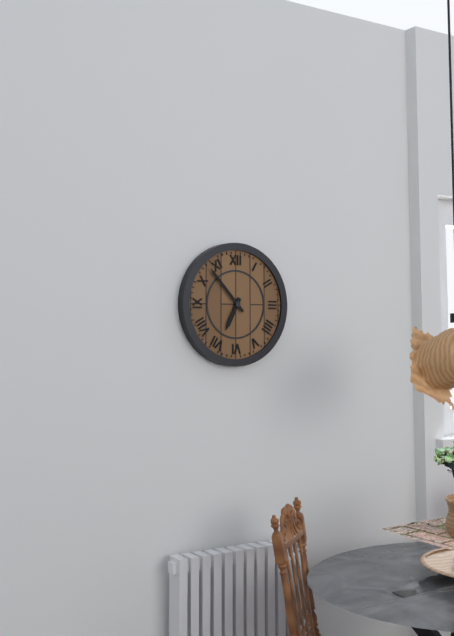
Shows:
{"hour": 6, "minute": 53}
